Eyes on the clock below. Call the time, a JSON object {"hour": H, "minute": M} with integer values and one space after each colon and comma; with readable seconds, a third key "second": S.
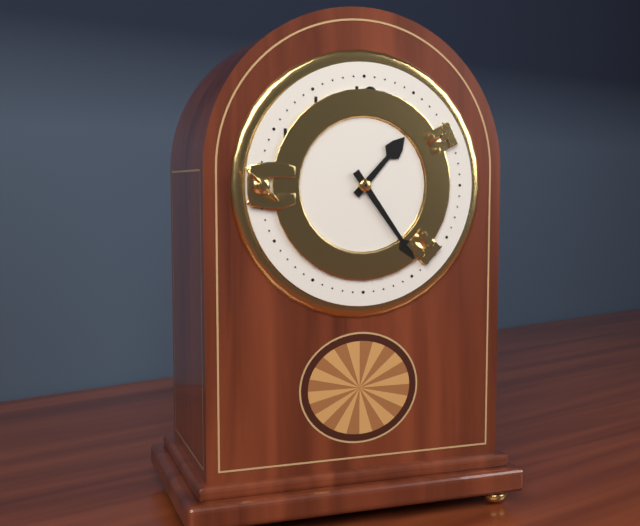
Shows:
{"hour": 1, "minute": 24}
